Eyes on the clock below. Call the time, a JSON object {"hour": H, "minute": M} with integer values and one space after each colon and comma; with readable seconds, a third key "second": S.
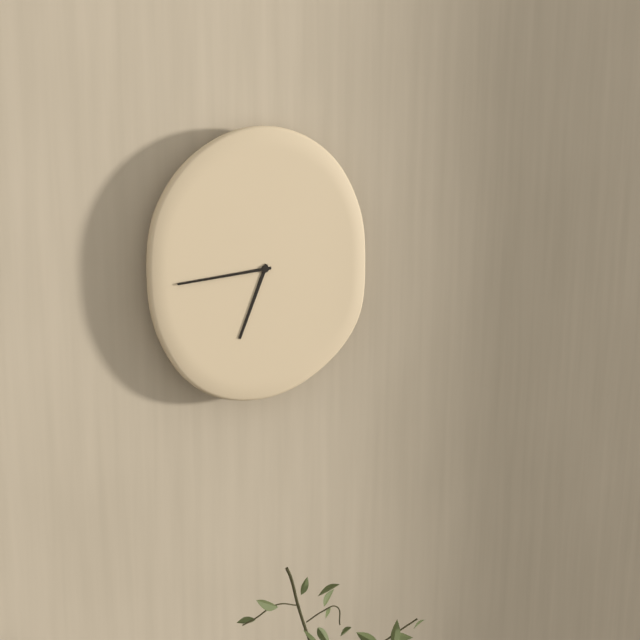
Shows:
{"hour": 6, "minute": 44}
